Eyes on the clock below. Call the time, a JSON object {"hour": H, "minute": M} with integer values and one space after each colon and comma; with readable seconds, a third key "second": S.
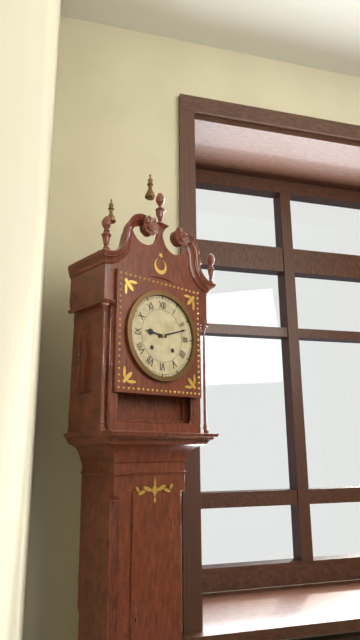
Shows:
{"hour": 9, "minute": 12}
